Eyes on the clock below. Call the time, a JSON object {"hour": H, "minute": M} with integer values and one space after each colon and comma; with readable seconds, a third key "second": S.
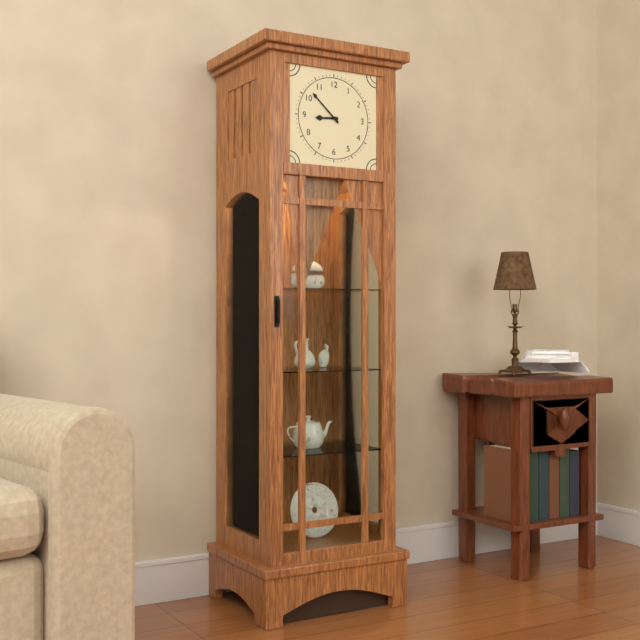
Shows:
{"hour": 8, "minute": 52}
